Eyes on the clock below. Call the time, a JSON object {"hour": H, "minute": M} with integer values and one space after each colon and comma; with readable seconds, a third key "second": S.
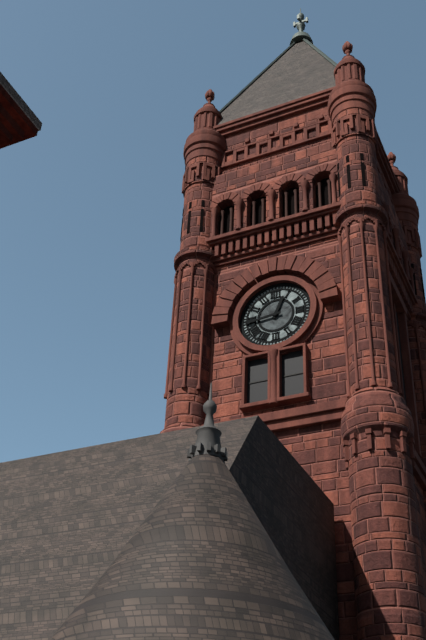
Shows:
{"hour": 12, "minute": 44}
